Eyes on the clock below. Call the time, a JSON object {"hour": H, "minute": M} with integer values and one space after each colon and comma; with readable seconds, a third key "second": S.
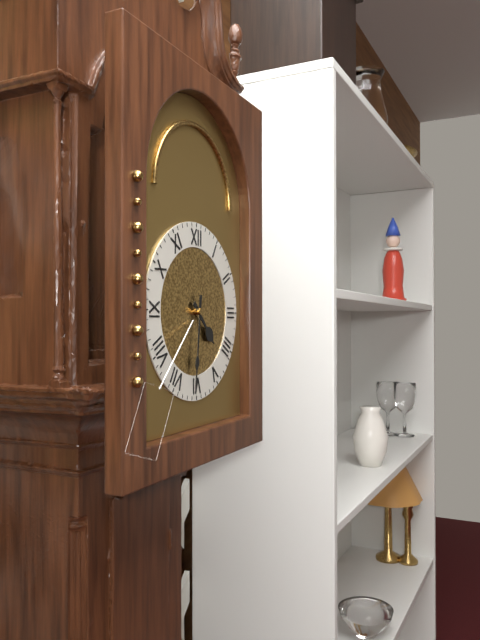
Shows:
{"hour": 4, "minute": 31}
